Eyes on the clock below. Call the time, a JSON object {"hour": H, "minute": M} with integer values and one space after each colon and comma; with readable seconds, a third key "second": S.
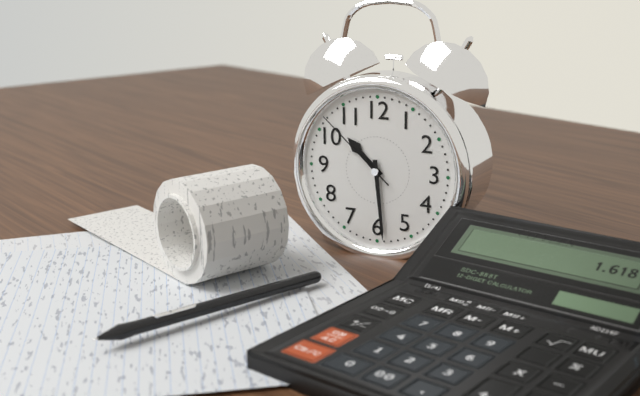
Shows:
{"hour": 10, "minute": 29, "second": 52}
